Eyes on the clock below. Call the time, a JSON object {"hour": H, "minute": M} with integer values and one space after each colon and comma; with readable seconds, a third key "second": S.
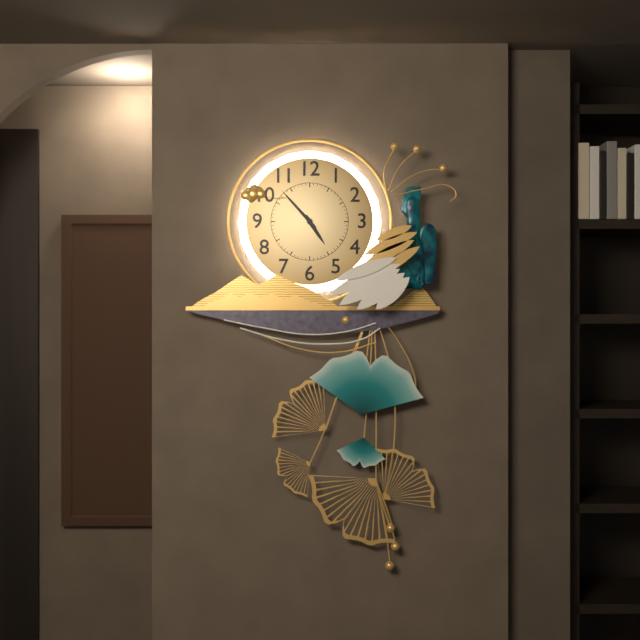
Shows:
{"hour": 4, "minute": 53}
